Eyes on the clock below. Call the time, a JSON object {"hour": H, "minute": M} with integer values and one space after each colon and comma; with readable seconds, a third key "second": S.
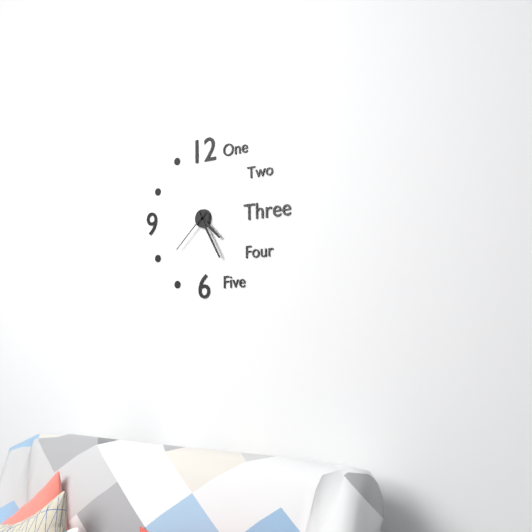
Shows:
{"hour": 4, "minute": 25}
